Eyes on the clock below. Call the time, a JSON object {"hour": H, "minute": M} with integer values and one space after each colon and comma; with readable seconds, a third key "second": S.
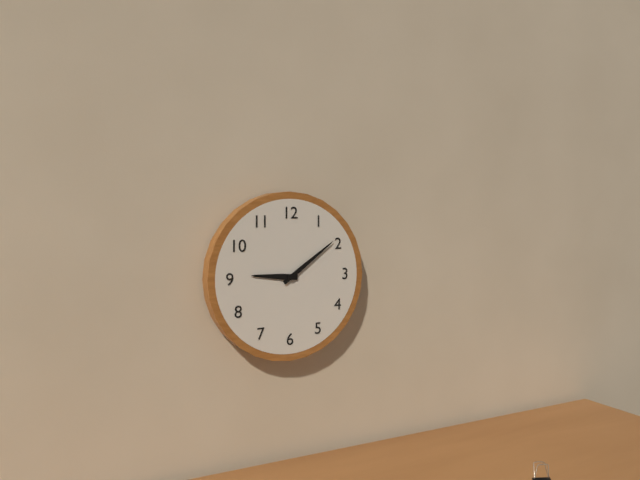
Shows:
{"hour": 9, "minute": 9}
